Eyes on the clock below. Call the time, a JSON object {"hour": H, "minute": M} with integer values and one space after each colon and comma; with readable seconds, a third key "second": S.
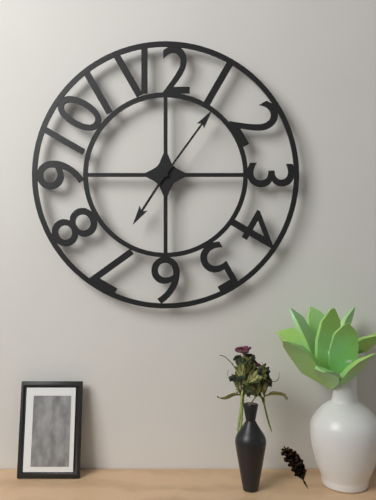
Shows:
{"hour": 7, "minute": 6}
